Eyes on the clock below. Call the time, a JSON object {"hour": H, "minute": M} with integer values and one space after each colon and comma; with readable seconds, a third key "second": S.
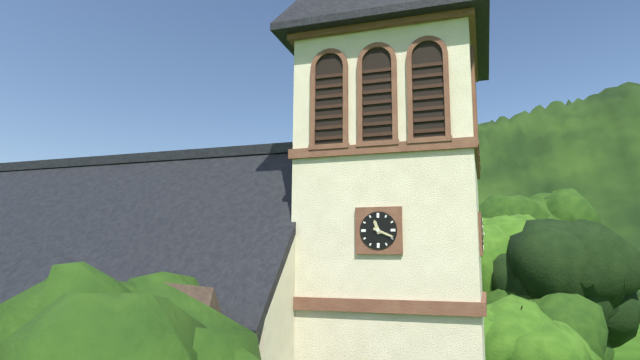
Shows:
{"hour": 11, "minute": 19}
